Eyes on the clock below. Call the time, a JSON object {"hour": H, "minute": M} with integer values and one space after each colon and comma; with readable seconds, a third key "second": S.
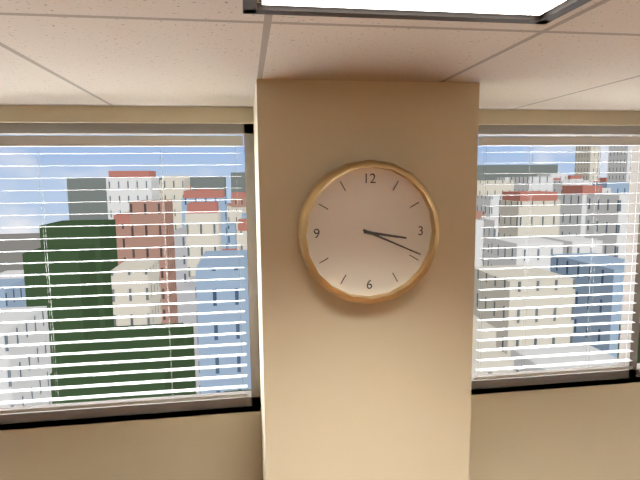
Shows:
{"hour": 3, "minute": 19}
